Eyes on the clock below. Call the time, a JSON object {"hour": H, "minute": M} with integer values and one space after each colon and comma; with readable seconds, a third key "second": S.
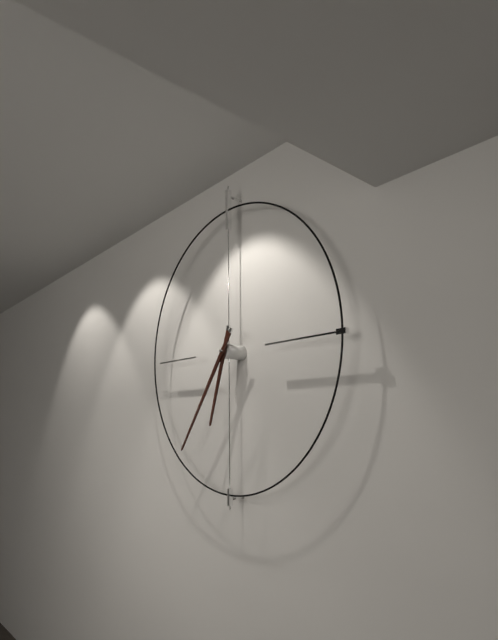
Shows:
{"hour": 6, "minute": 36}
